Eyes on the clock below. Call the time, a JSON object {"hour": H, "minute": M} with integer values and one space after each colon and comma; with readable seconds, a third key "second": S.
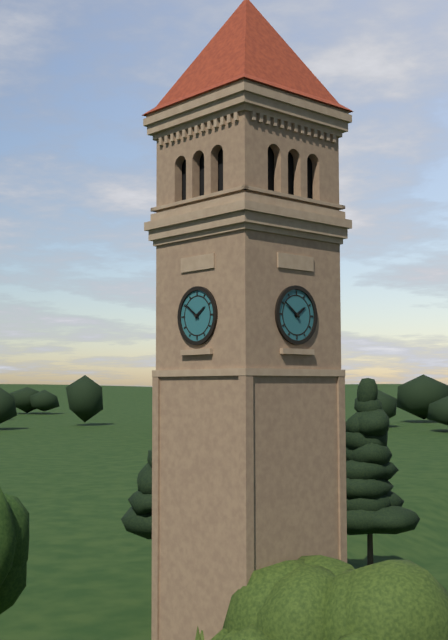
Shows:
{"hour": 1, "minute": 51}
